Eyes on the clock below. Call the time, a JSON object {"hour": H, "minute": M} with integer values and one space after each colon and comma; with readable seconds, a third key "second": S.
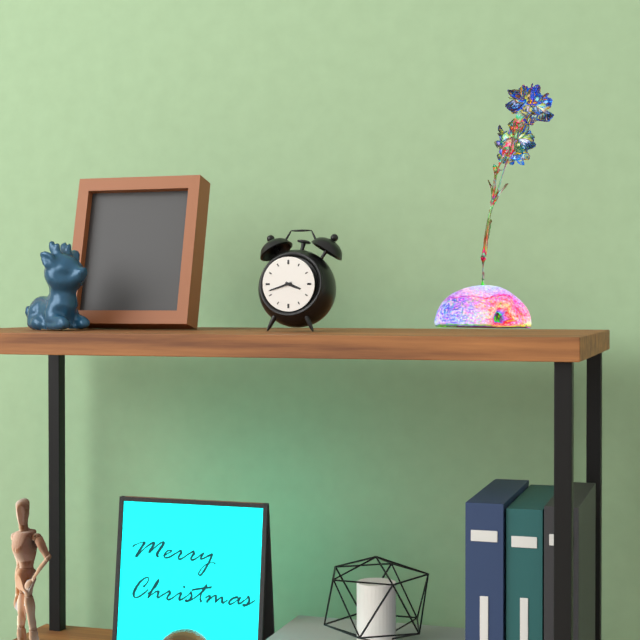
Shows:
{"hour": 3, "minute": 42}
